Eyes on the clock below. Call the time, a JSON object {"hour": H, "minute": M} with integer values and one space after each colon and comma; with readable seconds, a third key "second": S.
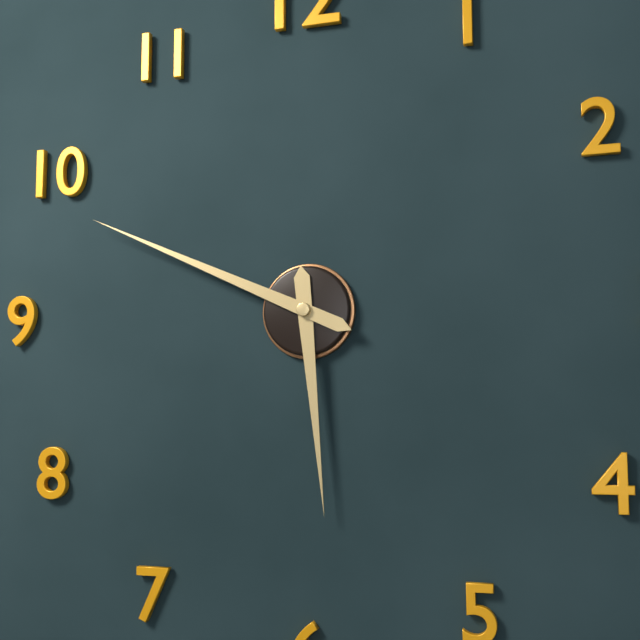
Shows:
{"hour": 5, "minute": 49}
